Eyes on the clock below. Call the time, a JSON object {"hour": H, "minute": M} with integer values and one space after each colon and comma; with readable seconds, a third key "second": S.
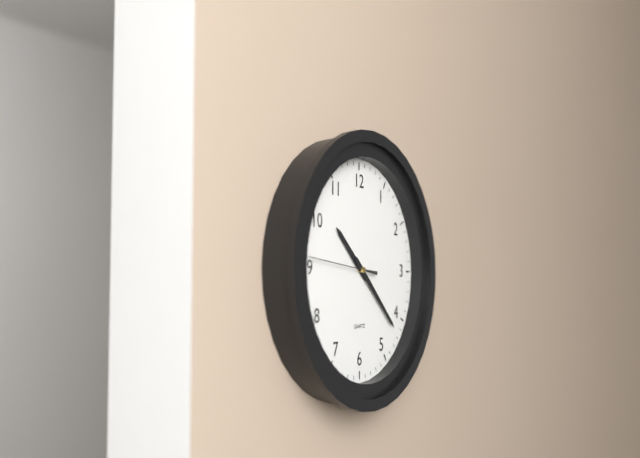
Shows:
{"hour": 10, "minute": 22, "second": 46}
